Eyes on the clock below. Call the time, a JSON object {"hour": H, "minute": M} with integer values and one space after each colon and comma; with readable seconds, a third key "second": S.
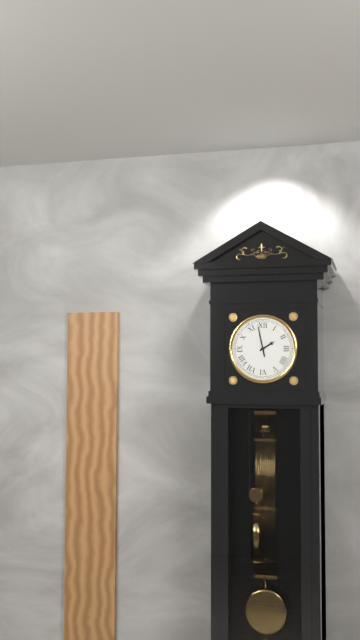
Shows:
{"hour": 1, "minute": 58}
